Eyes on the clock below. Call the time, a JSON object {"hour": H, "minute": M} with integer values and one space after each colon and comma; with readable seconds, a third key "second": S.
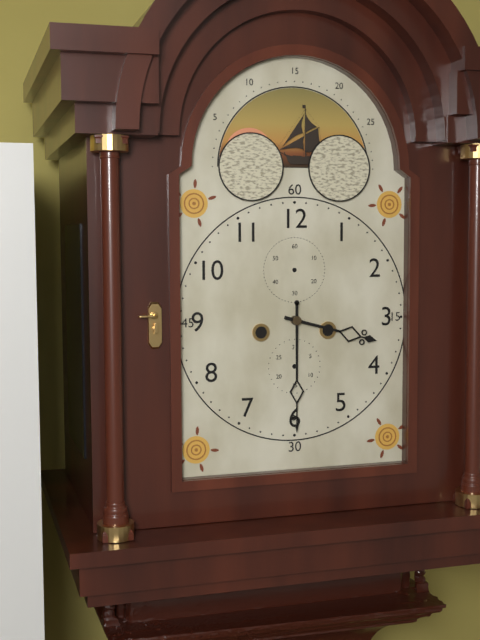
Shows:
{"hour": 3, "minute": 30}
